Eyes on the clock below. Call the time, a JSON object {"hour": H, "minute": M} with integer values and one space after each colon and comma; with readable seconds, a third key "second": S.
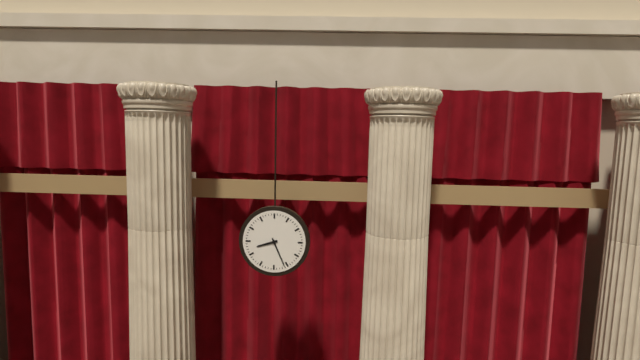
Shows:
{"hour": 8, "minute": 26}
